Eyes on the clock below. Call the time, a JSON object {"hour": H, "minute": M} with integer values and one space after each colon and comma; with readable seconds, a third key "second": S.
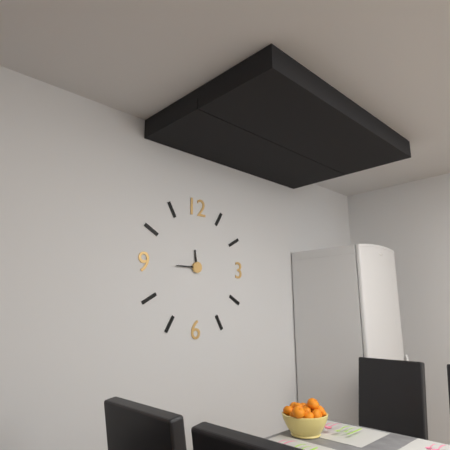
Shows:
{"hour": 11, "minute": 45}
